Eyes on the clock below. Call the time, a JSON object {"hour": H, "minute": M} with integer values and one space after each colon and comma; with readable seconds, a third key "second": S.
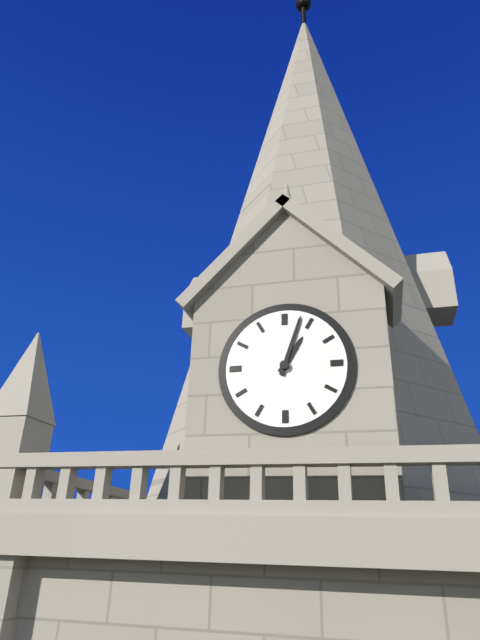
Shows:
{"hour": 1, "minute": 3}
